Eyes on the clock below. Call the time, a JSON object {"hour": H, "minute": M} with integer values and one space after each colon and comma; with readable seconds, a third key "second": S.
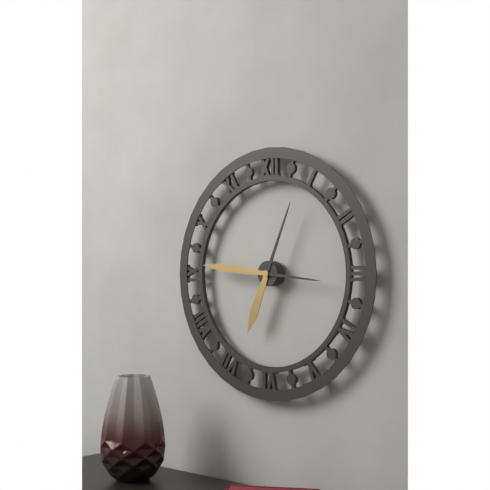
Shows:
{"hour": 6, "minute": 46}
